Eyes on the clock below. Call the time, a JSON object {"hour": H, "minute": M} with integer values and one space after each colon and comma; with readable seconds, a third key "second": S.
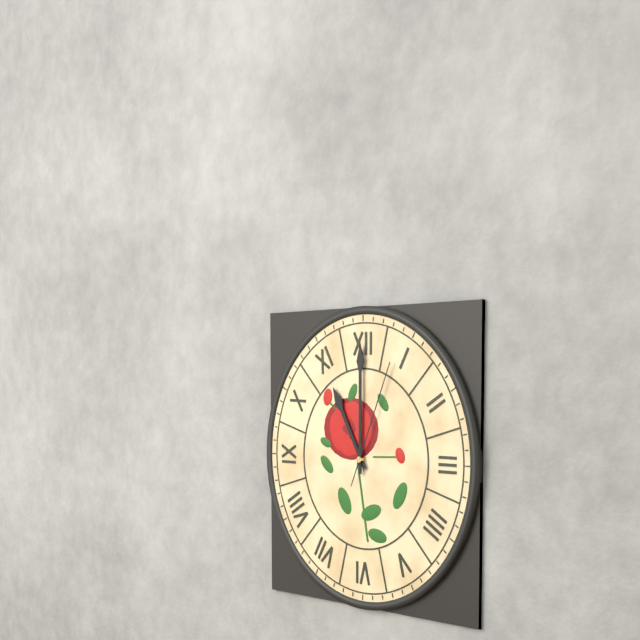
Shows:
{"hour": 11, "minute": 0, "second": 4}
